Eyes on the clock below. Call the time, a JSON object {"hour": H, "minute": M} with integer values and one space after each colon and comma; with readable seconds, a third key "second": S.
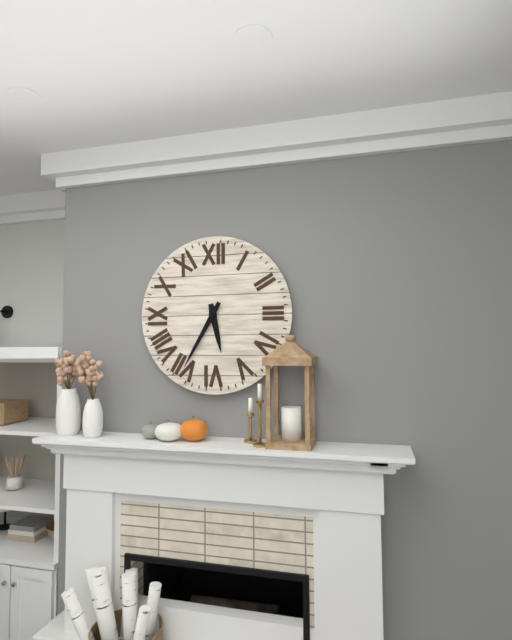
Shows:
{"hour": 5, "minute": 35}
